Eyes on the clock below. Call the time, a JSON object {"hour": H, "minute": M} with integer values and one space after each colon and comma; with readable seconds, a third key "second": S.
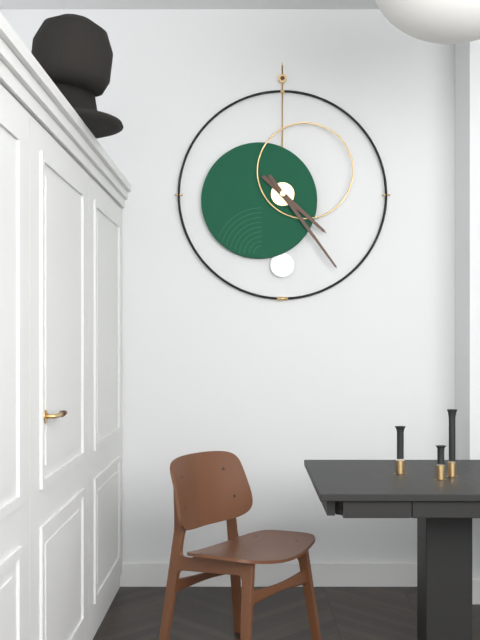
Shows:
{"hour": 4, "minute": 24}
